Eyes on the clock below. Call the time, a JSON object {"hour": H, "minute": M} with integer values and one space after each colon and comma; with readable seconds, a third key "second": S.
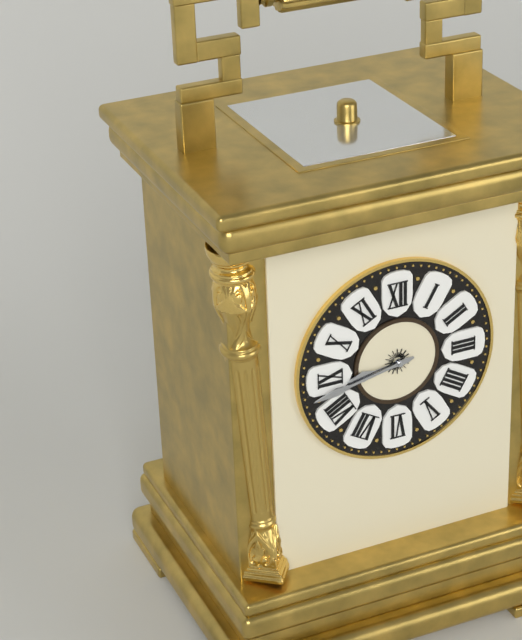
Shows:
{"hour": 8, "minute": 43}
